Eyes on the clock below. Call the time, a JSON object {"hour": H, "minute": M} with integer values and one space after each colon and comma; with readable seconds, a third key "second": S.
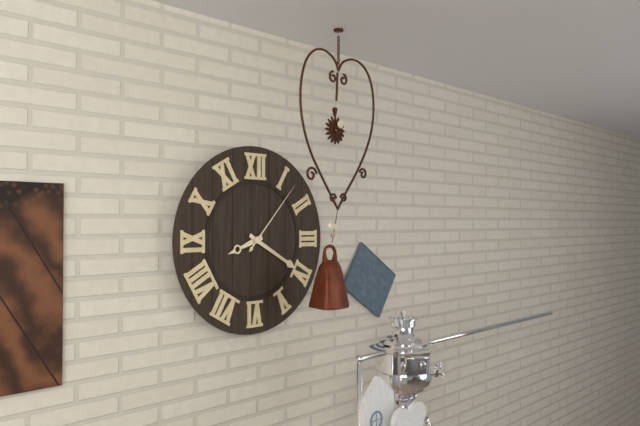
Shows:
{"hour": 8, "minute": 20, "second": 7}
